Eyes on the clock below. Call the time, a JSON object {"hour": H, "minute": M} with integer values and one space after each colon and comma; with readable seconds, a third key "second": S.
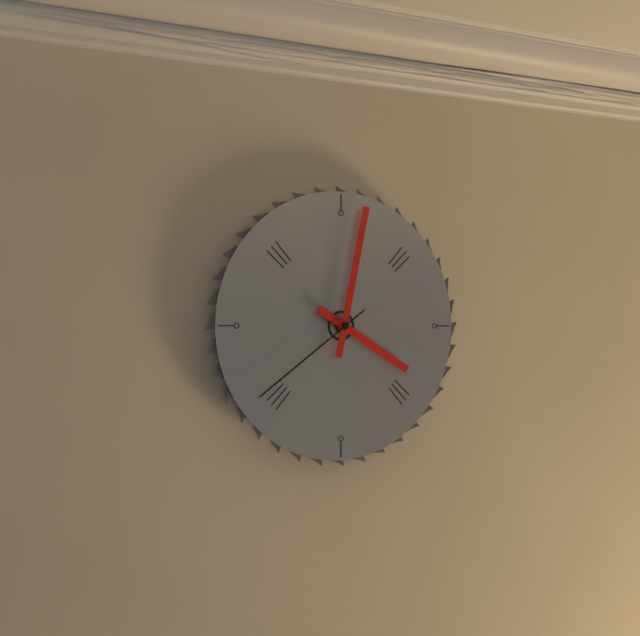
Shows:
{"hour": 4, "minute": 2, "second": 39}
